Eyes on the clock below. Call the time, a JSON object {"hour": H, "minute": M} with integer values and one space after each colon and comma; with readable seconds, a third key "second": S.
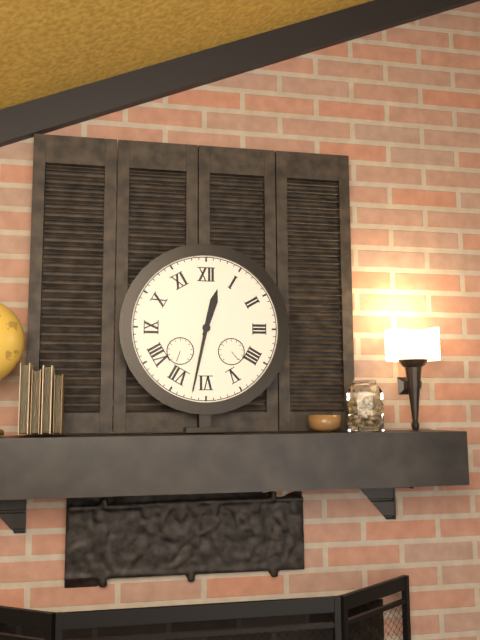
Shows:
{"hour": 12, "minute": 32}
